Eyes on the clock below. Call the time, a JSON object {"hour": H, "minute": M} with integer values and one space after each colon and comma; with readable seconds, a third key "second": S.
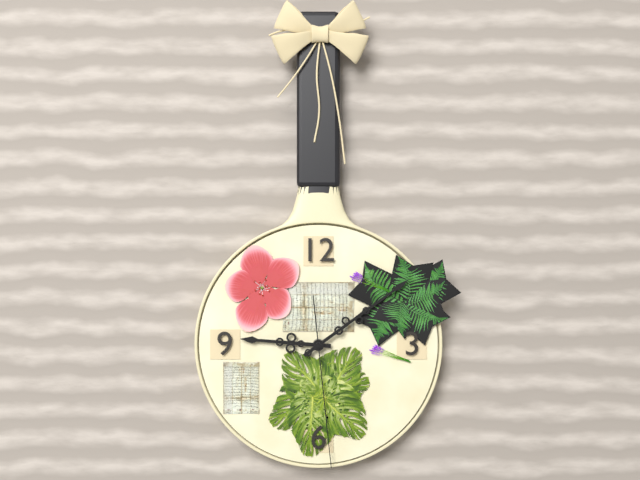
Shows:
{"hour": 9, "minute": 9, "second": 29}
